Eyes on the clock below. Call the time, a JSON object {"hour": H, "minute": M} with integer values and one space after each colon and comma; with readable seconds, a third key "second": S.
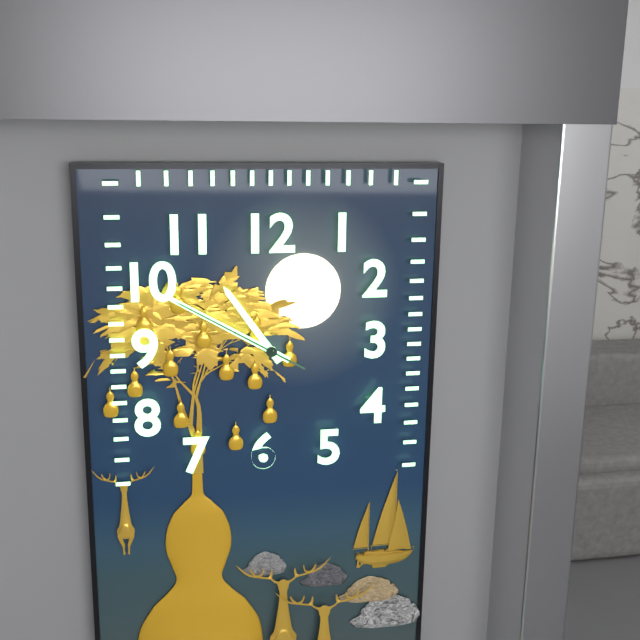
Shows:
{"hour": 10, "minute": 50, "second": 50}
